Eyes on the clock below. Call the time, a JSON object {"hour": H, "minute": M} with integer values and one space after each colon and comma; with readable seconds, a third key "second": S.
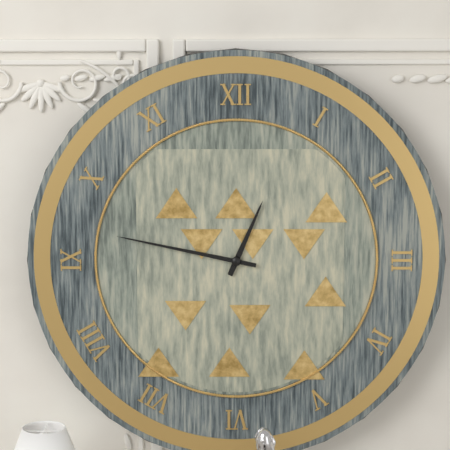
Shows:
{"hour": 12, "minute": 47}
